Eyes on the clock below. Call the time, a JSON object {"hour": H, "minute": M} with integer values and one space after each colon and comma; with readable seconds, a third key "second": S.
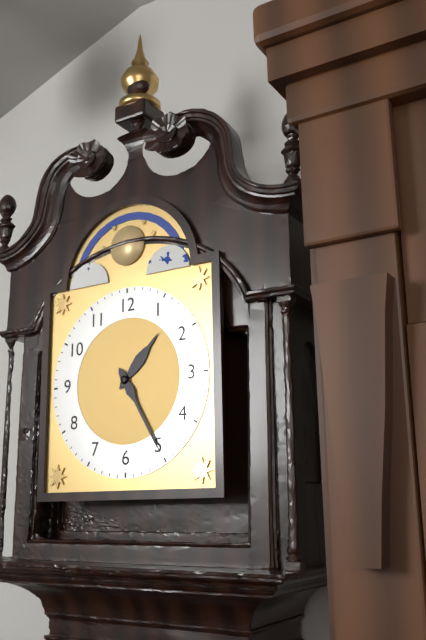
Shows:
{"hour": 1, "minute": 25}
